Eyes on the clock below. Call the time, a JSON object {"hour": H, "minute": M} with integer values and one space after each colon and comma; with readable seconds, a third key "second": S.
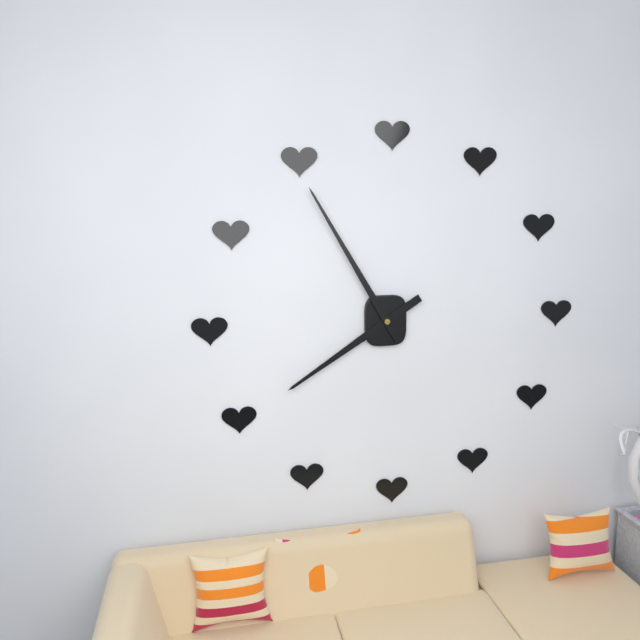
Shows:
{"hour": 7, "minute": 55}
